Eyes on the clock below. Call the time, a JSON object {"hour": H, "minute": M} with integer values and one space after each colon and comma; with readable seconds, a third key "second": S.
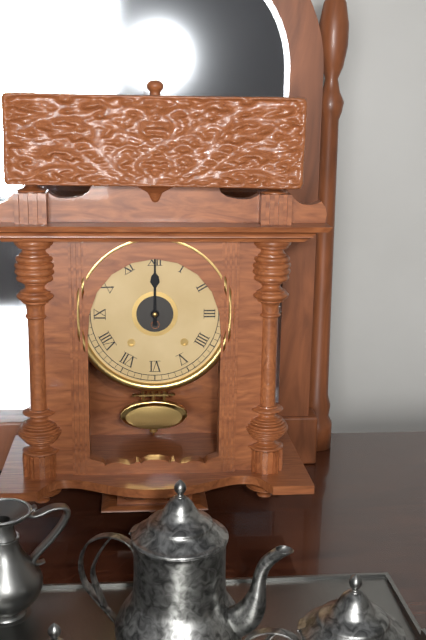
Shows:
{"hour": 12, "minute": 0}
